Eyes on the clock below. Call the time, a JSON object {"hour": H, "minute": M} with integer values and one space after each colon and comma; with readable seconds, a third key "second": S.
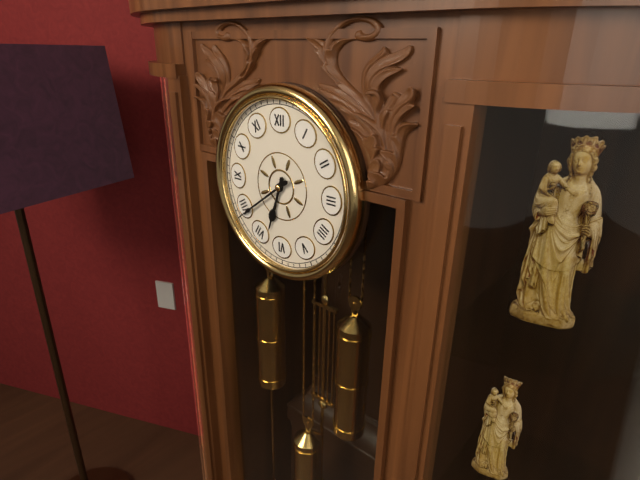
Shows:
{"hour": 6, "minute": 39}
